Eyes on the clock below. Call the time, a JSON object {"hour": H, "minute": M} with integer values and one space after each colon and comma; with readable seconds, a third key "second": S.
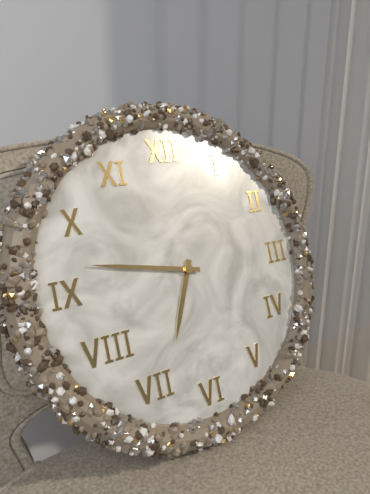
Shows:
{"hour": 6, "minute": 47}
